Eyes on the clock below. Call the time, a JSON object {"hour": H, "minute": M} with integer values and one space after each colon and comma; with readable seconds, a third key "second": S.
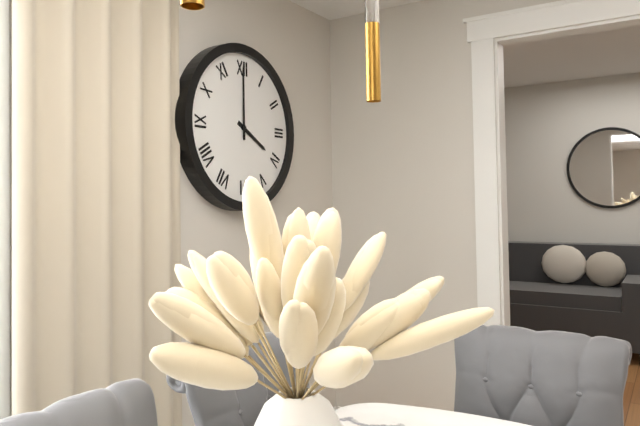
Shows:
{"hour": 4, "minute": 0}
